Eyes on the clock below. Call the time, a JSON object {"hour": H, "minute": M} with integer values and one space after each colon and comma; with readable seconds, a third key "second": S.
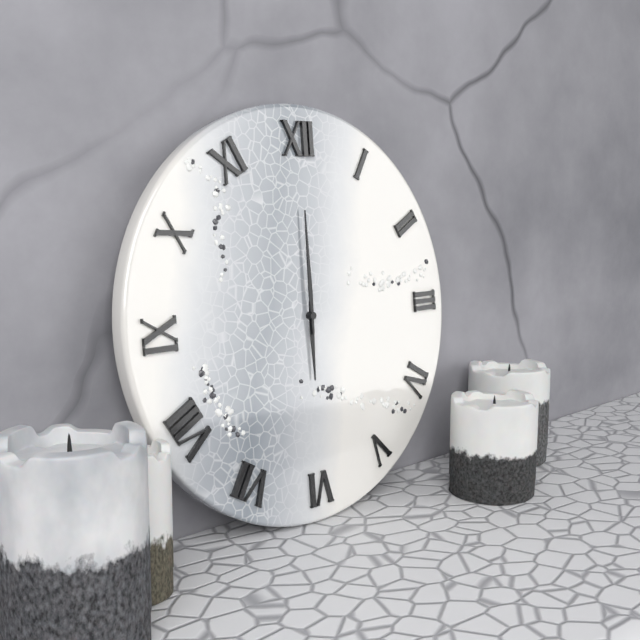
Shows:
{"hour": 6, "minute": 0}
